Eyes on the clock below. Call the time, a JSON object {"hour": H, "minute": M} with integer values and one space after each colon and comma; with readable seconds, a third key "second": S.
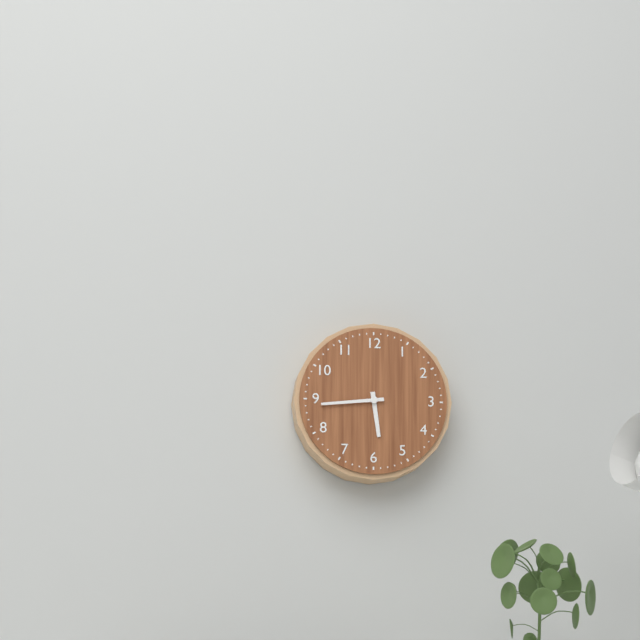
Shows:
{"hour": 5, "minute": 44}
